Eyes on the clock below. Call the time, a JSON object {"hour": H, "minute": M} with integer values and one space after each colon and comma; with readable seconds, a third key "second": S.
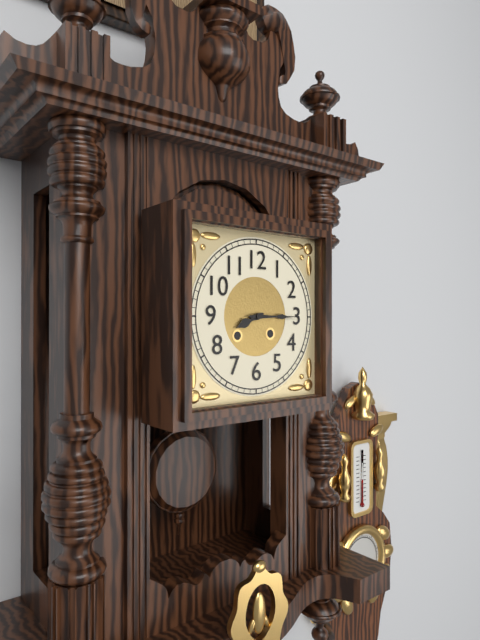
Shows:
{"hour": 8, "minute": 15}
